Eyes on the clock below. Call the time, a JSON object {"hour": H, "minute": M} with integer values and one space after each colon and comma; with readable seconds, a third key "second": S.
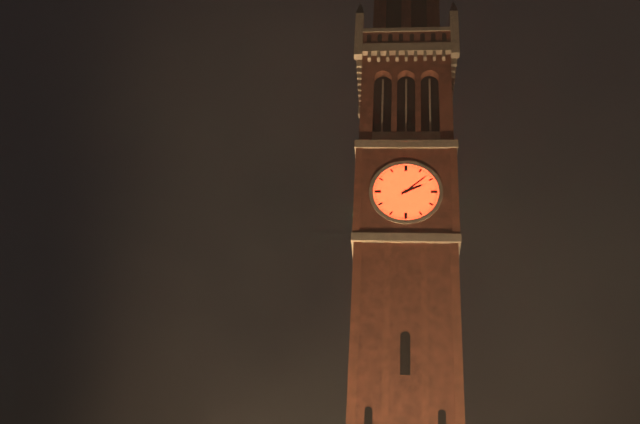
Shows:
{"hour": 2, "minute": 8}
